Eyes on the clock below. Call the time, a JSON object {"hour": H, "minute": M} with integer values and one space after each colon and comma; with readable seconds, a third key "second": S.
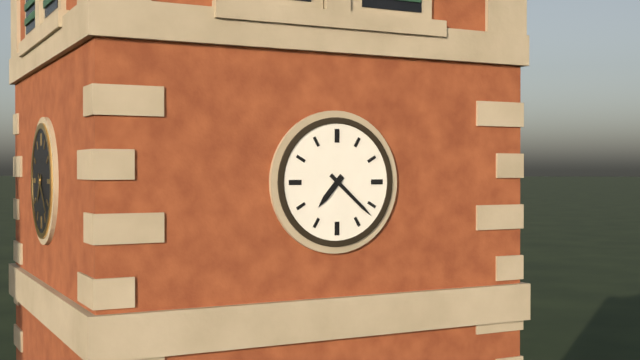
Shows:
{"hour": 7, "minute": 22}
